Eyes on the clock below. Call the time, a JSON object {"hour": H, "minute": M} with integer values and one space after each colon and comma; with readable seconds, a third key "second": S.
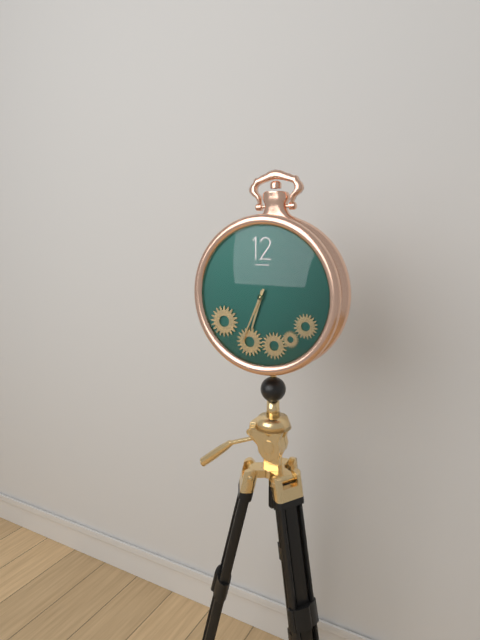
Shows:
{"hour": 6, "minute": 34}
